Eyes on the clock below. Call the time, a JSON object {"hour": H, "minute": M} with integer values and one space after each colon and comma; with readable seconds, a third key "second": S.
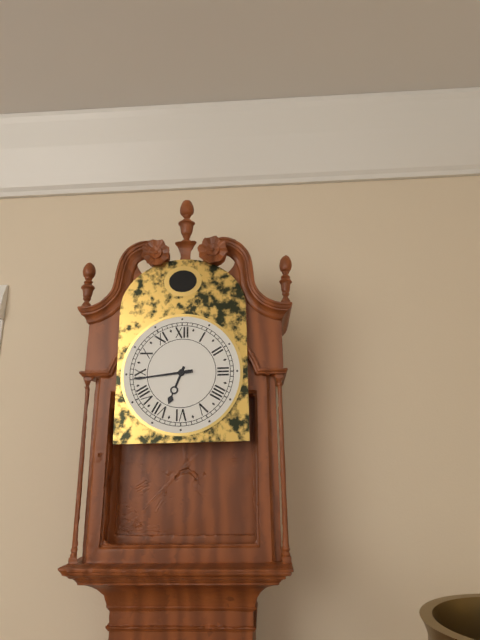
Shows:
{"hour": 6, "minute": 44}
